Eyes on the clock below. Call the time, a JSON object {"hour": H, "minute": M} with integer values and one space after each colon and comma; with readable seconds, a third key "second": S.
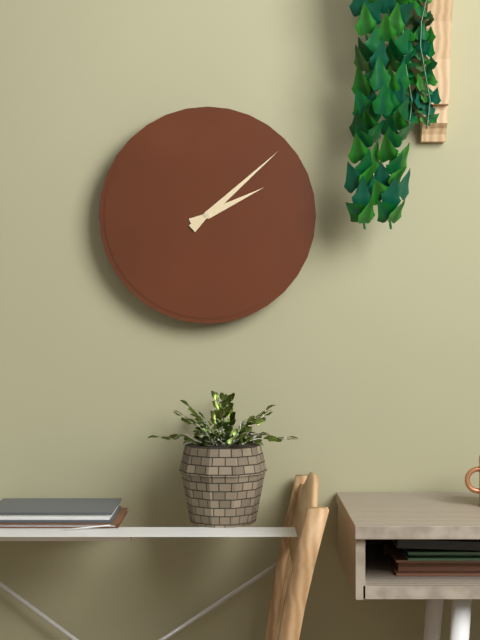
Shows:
{"hour": 2, "minute": 8}
